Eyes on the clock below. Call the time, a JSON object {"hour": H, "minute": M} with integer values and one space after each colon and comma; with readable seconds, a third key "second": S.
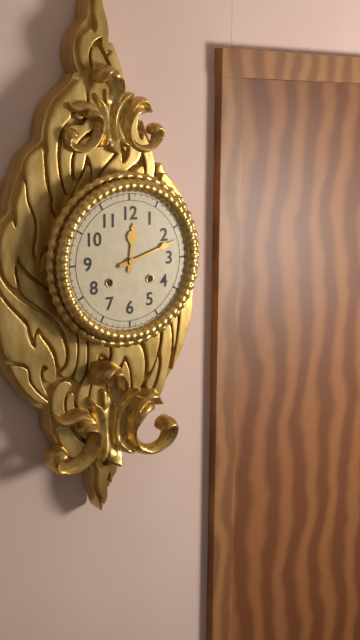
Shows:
{"hour": 12, "minute": 12}
